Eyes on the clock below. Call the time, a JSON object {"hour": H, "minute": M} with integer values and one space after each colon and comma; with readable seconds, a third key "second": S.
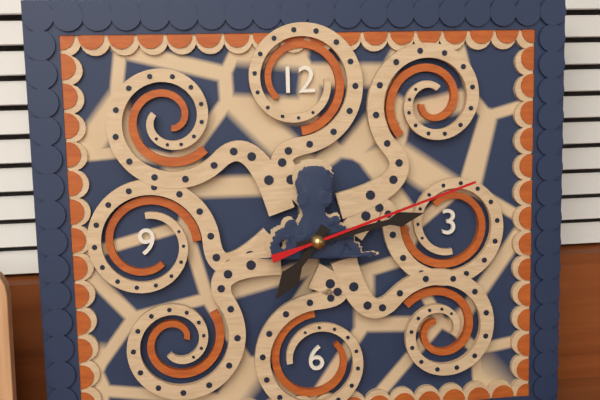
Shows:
{"hour": 7, "minute": 13, "second": 12}
